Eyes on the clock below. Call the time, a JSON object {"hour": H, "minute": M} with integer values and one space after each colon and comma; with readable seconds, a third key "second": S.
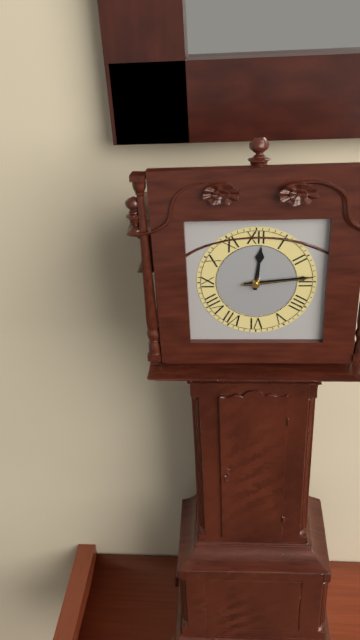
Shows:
{"hour": 12, "minute": 14, "second": 14}
